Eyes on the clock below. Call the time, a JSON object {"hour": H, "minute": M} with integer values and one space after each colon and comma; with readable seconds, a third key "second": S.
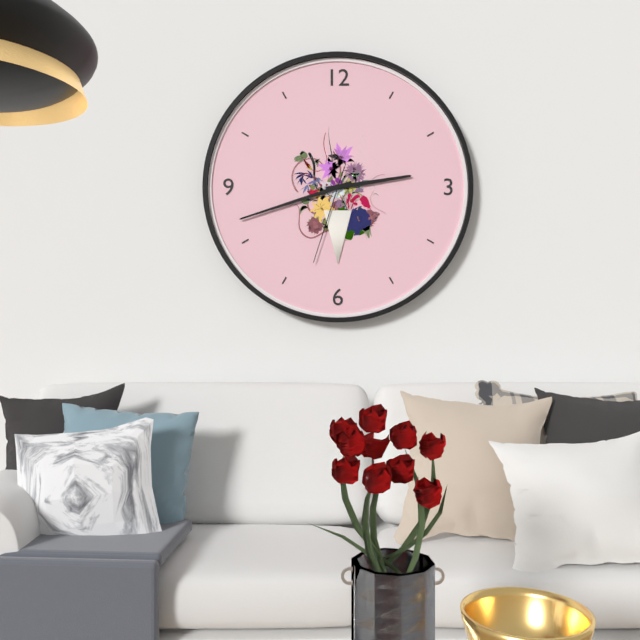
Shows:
{"hour": 2, "minute": 42, "second": 33}
